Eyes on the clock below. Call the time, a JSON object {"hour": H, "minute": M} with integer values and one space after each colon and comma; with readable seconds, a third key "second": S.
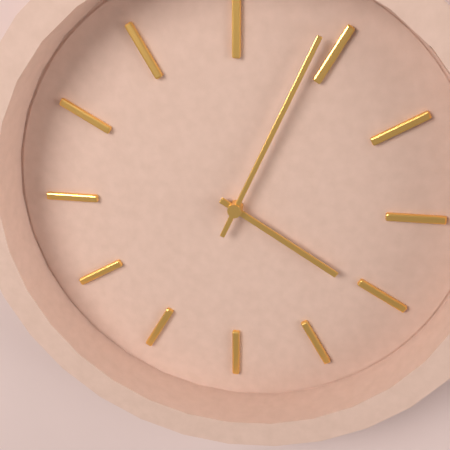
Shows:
{"hour": 4, "minute": 4}
